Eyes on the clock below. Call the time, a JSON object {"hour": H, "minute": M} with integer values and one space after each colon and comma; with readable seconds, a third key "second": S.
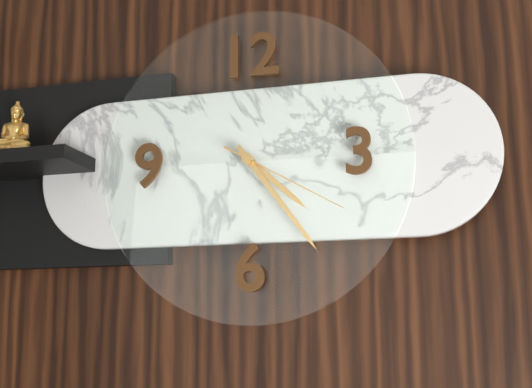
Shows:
{"hour": 4, "minute": 24, "second": 20}
